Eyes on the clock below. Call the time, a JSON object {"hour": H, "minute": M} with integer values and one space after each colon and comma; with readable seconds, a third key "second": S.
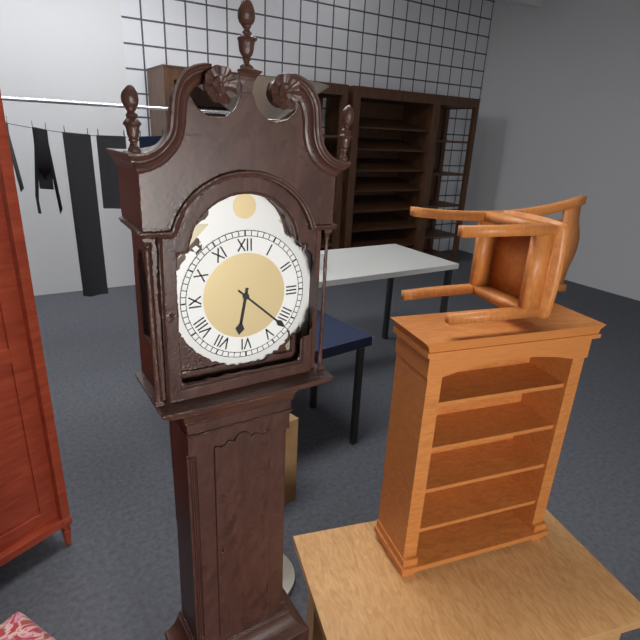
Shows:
{"hour": 6, "minute": 22}
